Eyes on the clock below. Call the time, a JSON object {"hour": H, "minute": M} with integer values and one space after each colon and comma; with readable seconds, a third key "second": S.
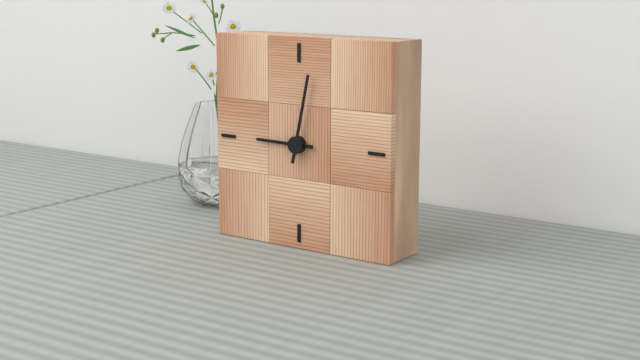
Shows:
{"hour": 9, "minute": 2}
